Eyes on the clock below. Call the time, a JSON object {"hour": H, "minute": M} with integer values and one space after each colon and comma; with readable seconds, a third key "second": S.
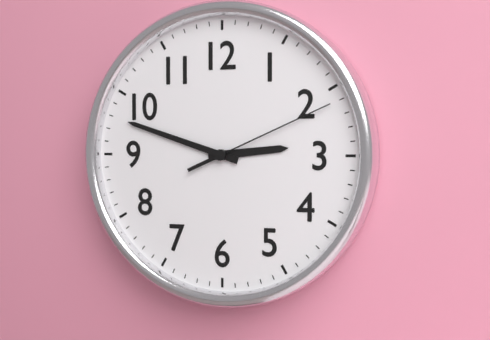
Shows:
{"hour": 2, "minute": 48, "second": 11}
